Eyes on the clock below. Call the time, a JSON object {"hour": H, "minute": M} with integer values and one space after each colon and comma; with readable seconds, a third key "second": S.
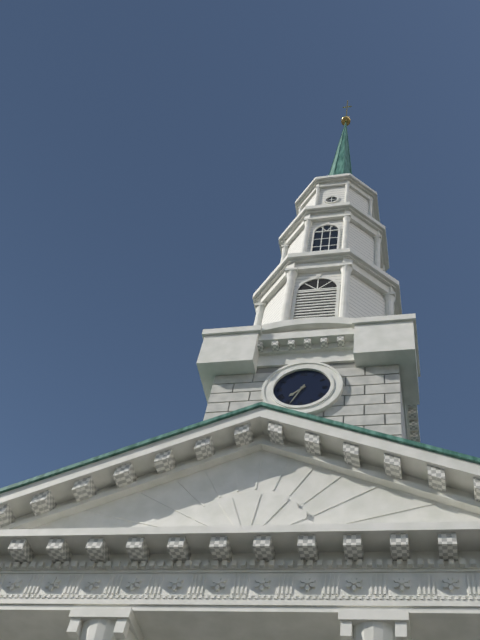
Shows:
{"hour": 7, "minute": 34}
